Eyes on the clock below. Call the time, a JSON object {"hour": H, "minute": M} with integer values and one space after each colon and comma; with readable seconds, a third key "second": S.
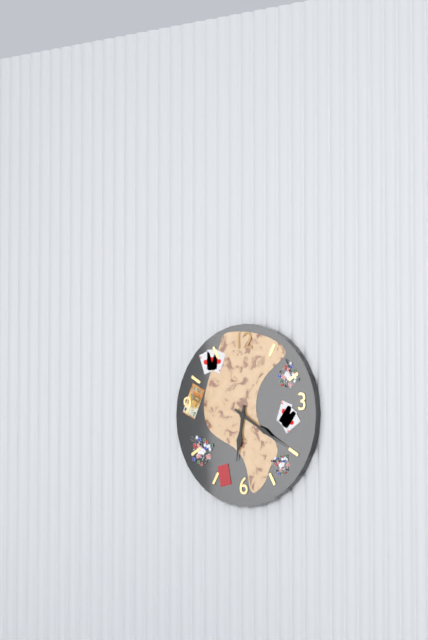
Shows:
{"hour": 6, "minute": 20}
